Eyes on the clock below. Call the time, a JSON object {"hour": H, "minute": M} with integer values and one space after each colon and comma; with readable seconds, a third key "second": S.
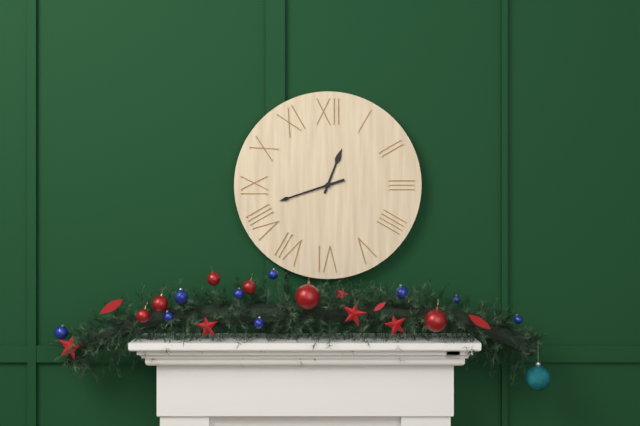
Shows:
{"hour": 12, "minute": 42}
